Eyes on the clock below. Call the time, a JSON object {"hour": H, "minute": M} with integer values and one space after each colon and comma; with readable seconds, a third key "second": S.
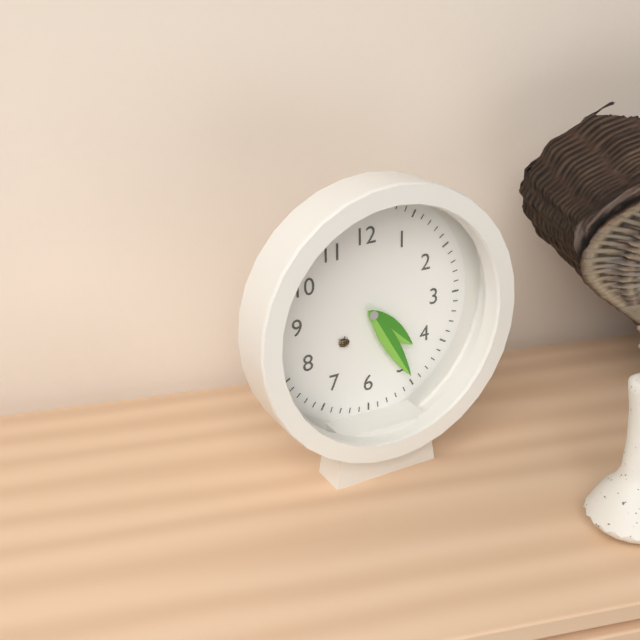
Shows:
{"hour": 4, "minute": 25}
